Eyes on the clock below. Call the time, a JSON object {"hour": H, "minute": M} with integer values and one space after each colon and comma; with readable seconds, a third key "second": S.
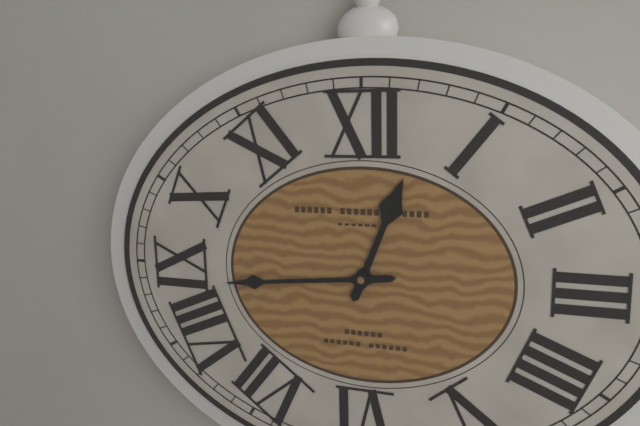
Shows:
{"hour": 12, "minute": 44}
